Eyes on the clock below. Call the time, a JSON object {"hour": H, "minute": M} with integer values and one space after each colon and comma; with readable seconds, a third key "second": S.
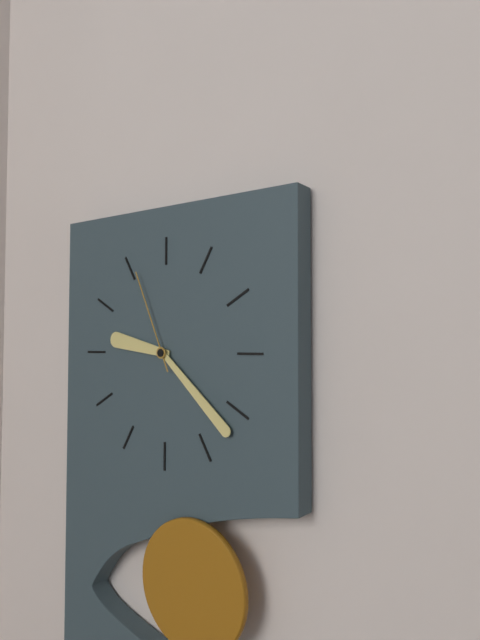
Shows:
{"hour": 9, "minute": 22, "second": 56}
